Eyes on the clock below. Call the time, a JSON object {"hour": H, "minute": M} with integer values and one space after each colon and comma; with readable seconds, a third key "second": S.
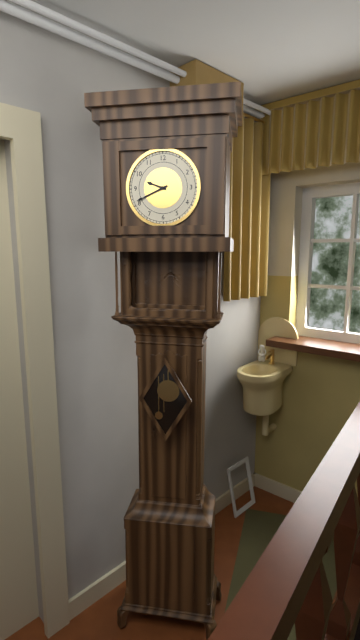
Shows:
{"hour": 9, "minute": 41}
